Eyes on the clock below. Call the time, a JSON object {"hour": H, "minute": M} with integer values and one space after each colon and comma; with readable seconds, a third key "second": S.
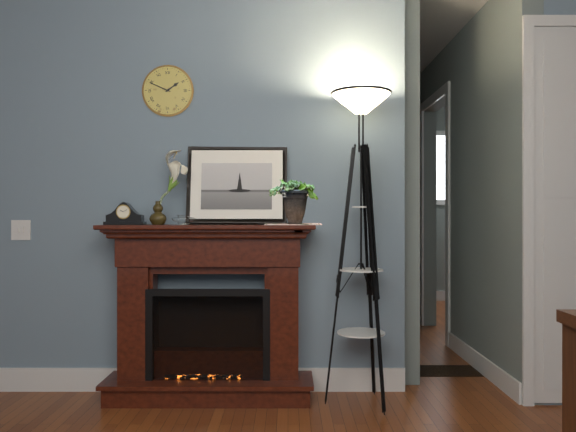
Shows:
{"hour": 1, "minute": 49}
